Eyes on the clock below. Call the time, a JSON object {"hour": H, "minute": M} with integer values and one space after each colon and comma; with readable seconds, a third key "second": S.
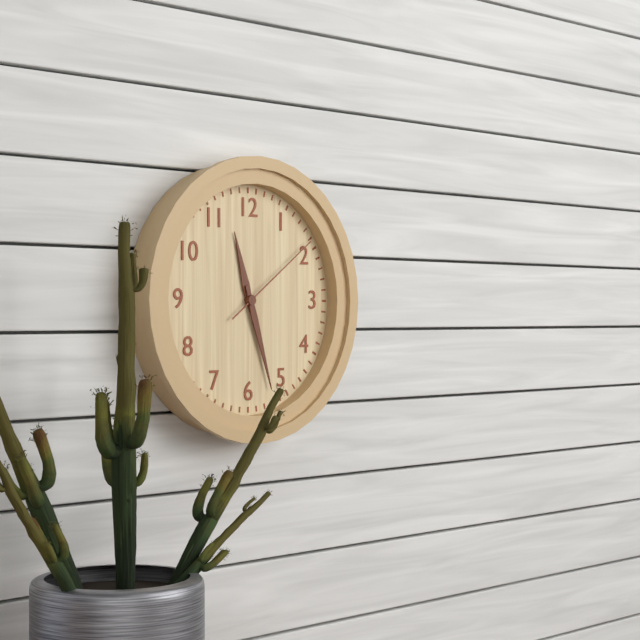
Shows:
{"hour": 11, "minute": 27, "second": 9}
